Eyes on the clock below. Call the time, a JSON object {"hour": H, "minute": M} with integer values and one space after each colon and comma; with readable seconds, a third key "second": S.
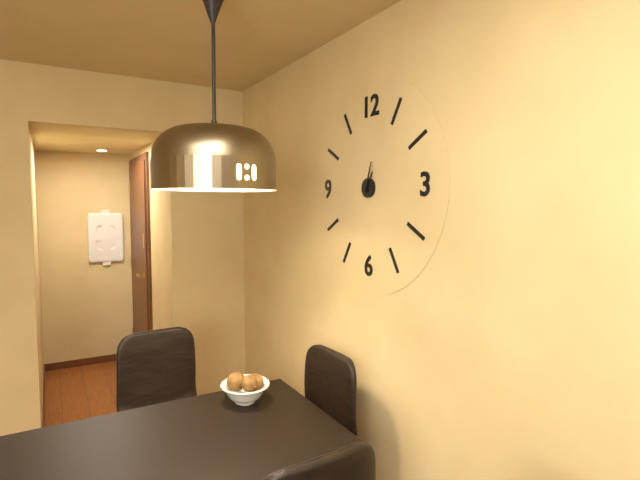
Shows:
{"hour": 1, "minute": 3}
